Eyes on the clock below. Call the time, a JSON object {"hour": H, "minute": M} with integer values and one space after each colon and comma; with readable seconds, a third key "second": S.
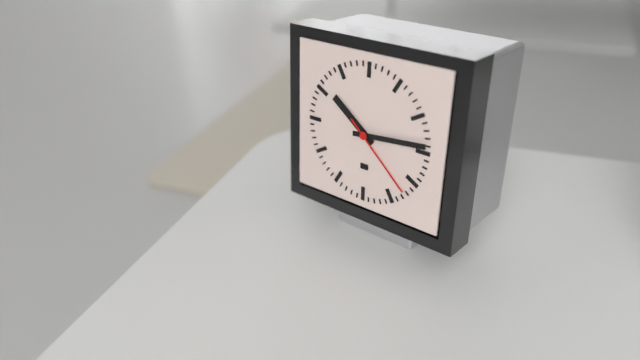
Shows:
{"hour": 10, "minute": 14, "second": 22}
